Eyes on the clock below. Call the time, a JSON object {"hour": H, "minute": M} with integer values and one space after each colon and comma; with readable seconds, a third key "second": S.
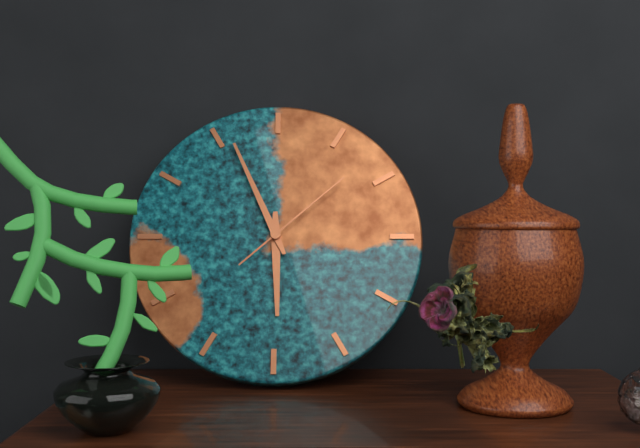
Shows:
{"hour": 5, "minute": 56, "second": 8}
